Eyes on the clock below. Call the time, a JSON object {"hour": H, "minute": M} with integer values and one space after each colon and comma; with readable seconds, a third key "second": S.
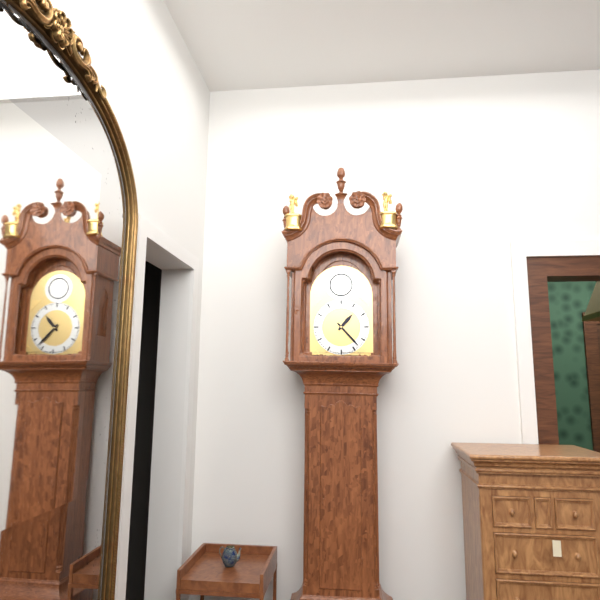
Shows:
{"hour": 1, "minute": 23}
